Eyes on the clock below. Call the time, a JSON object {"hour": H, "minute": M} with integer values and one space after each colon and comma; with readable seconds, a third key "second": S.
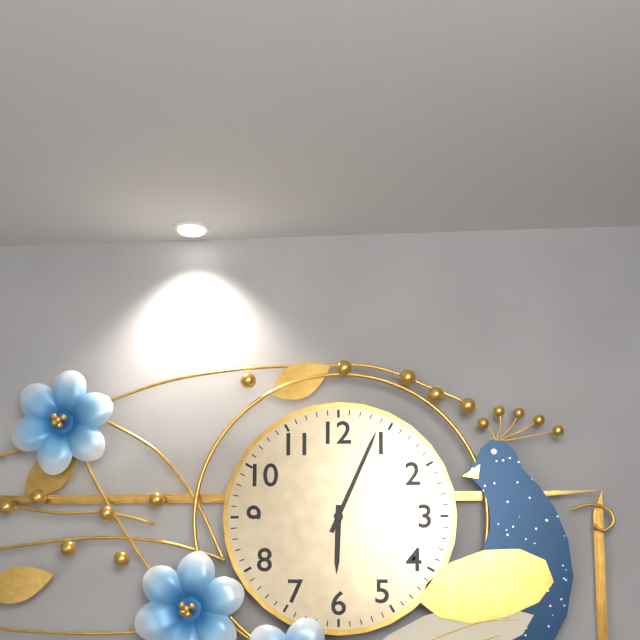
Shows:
{"hour": 6, "minute": 4}
